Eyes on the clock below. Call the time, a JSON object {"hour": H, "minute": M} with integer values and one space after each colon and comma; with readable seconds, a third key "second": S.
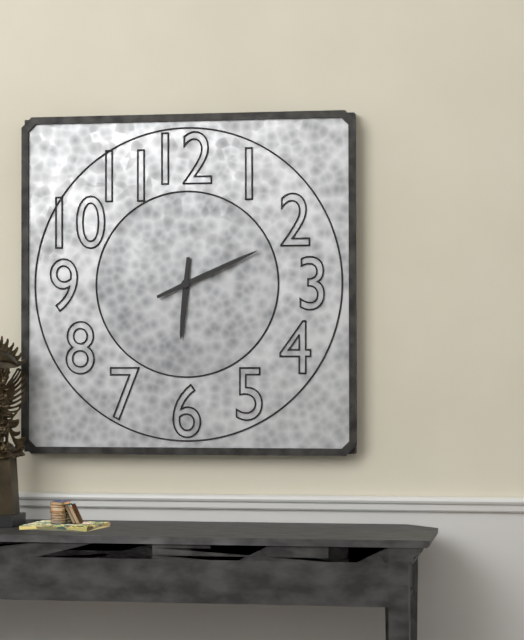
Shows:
{"hour": 6, "minute": 11}
